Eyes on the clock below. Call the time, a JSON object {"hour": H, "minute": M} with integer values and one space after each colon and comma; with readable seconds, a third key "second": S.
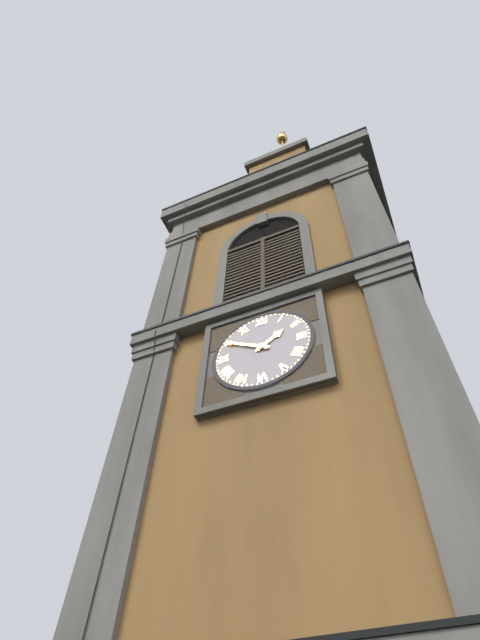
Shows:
{"hour": 1, "minute": 50}
